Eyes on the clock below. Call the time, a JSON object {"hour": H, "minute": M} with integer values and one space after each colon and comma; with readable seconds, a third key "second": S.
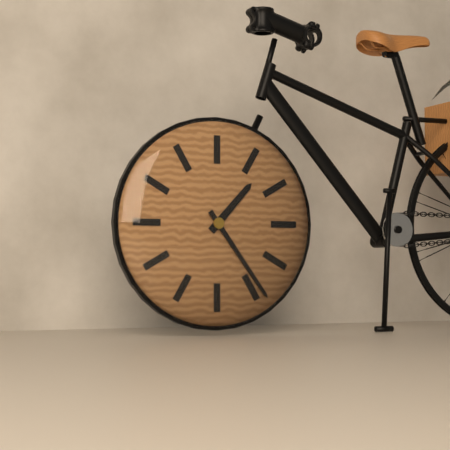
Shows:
{"hour": 1, "minute": 24}
